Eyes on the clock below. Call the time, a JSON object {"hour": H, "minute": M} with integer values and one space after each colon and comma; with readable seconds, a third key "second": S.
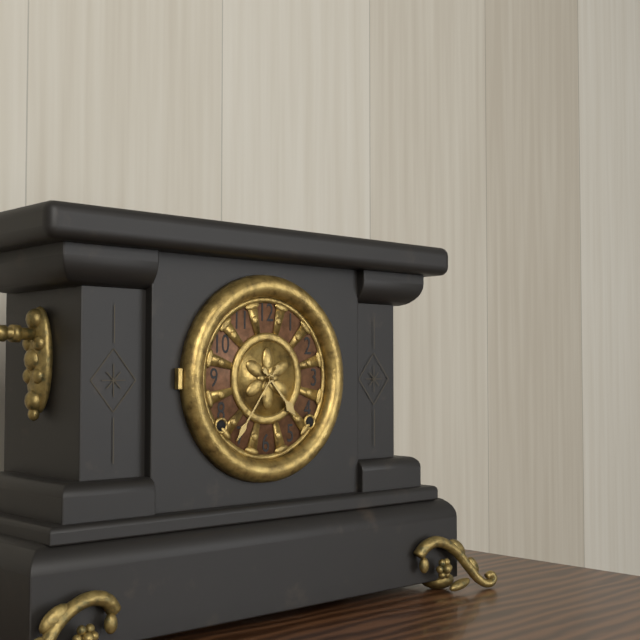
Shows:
{"hour": 4, "minute": 36}
